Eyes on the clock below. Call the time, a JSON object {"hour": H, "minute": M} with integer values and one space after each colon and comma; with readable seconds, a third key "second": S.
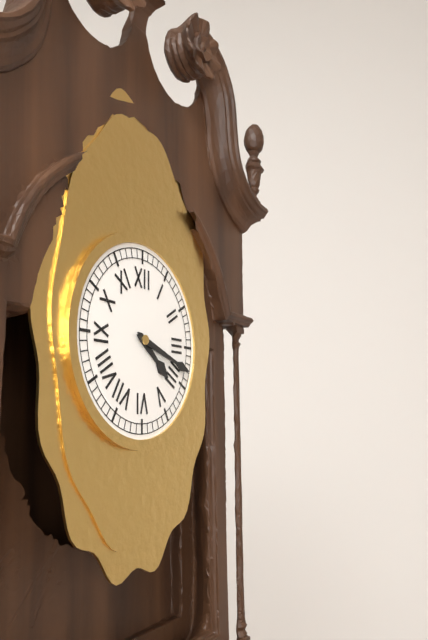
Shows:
{"hour": 4, "minute": 18}
